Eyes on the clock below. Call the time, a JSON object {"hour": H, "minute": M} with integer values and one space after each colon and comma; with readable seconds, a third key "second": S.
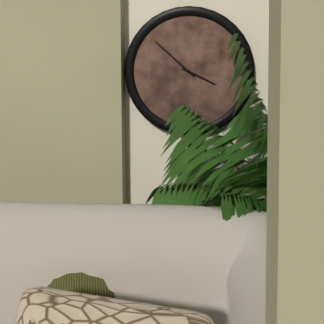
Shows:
{"hour": 3, "minute": 52}
